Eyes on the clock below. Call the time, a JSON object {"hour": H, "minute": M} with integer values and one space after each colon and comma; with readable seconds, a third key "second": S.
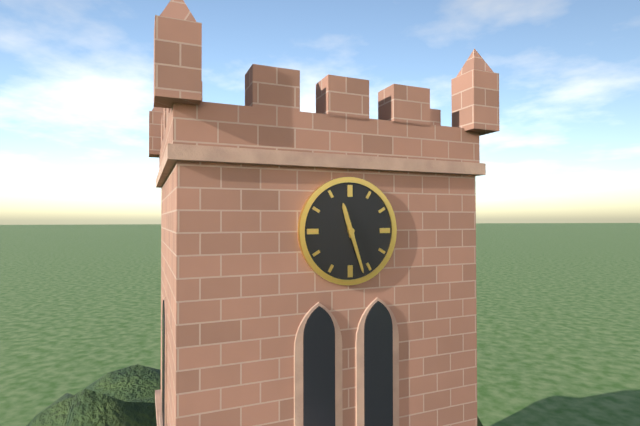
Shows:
{"hour": 11, "minute": 27}
